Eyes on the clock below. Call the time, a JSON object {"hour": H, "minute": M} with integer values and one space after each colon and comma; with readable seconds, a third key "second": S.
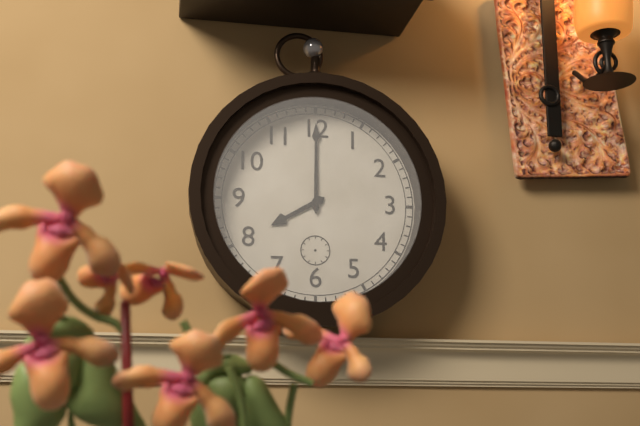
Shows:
{"hour": 8, "minute": 0}
